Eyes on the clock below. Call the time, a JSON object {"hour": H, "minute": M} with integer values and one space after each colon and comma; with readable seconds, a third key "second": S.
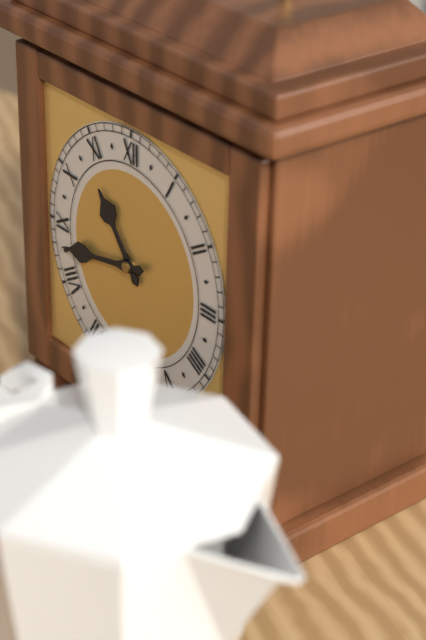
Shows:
{"hour": 10, "minute": 43}
